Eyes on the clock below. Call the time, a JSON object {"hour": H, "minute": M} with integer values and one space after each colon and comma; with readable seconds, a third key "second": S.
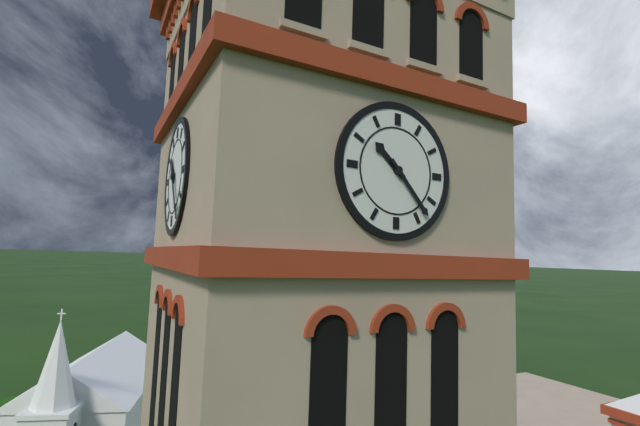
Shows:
{"hour": 10, "minute": 23}
